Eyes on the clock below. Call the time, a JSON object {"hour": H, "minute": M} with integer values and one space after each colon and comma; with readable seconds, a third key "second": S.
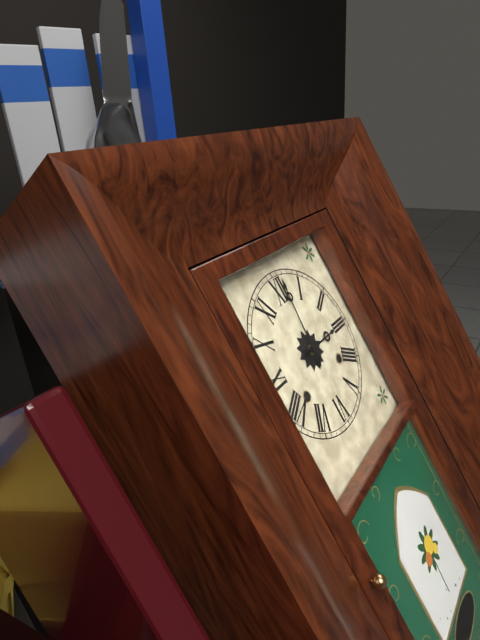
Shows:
{"hour": 3, "minute": 1}
